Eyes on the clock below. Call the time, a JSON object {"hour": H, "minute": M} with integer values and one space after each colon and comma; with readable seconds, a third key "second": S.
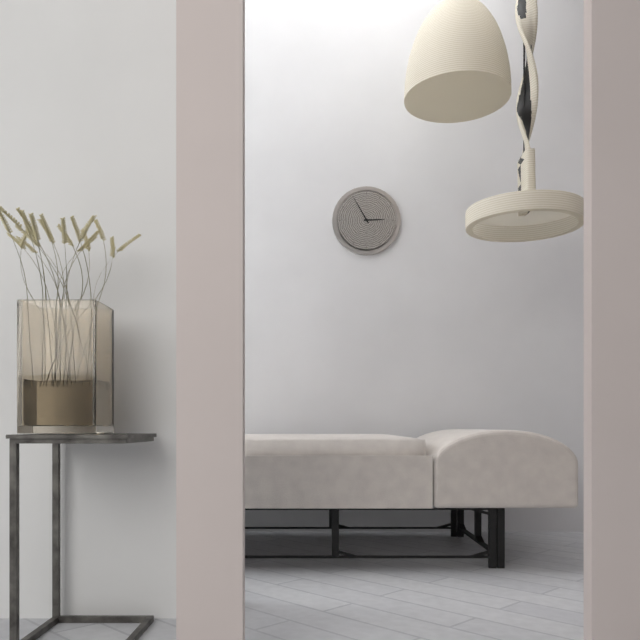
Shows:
{"hour": 2, "minute": 55}
